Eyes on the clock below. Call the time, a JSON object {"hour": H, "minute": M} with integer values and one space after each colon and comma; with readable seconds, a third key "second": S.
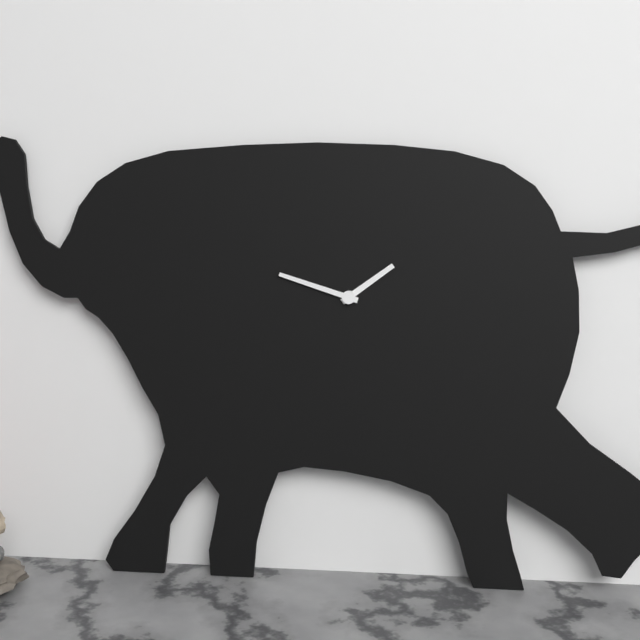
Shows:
{"hour": 1, "minute": 48}
